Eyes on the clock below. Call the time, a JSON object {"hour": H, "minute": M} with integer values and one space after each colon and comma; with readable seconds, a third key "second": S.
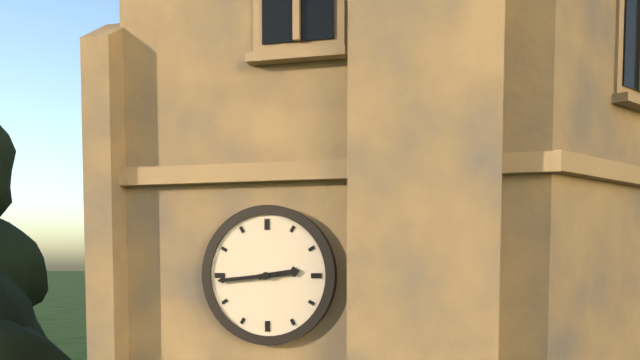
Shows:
{"hour": 2, "minute": 44}
